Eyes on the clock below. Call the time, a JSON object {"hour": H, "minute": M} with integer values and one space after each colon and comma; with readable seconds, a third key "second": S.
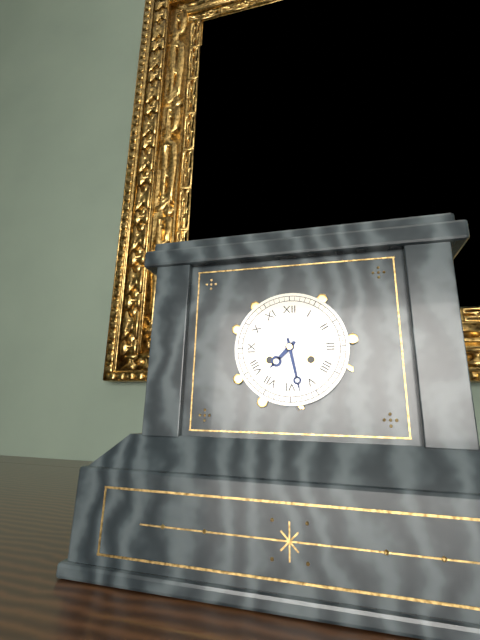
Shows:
{"hour": 7, "minute": 28}
